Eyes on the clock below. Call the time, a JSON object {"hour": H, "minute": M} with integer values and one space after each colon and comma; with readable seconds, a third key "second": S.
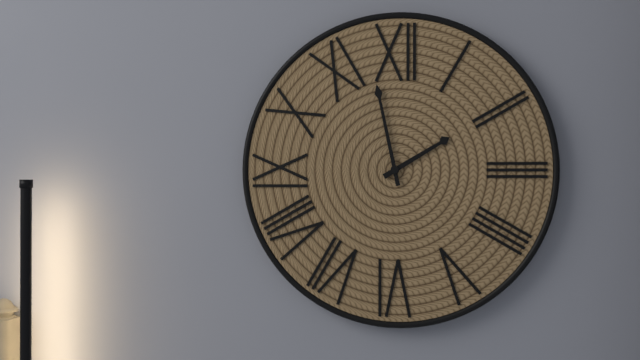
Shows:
{"hour": 1, "minute": 58}
